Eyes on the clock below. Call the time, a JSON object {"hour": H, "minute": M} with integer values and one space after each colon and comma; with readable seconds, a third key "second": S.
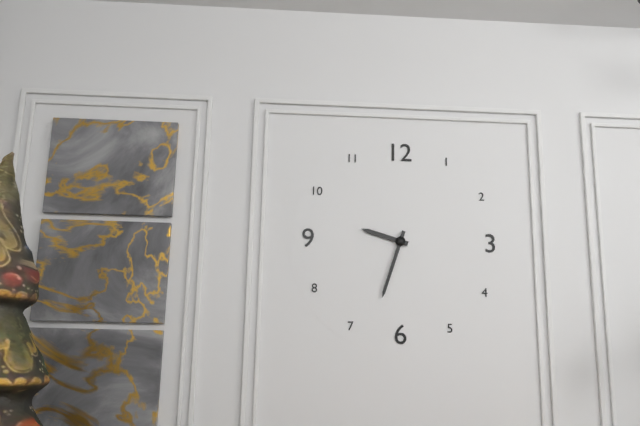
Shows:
{"hour": 9, "minute": 33}
